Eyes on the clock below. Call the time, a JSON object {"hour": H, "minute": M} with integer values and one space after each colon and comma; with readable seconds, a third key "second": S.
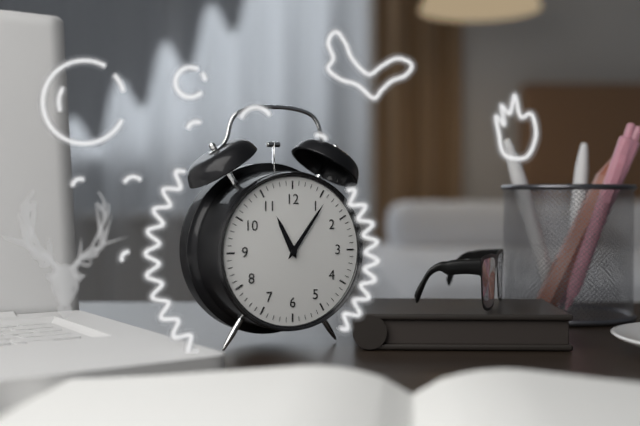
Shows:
{"hour": 11, "minute": 6}
